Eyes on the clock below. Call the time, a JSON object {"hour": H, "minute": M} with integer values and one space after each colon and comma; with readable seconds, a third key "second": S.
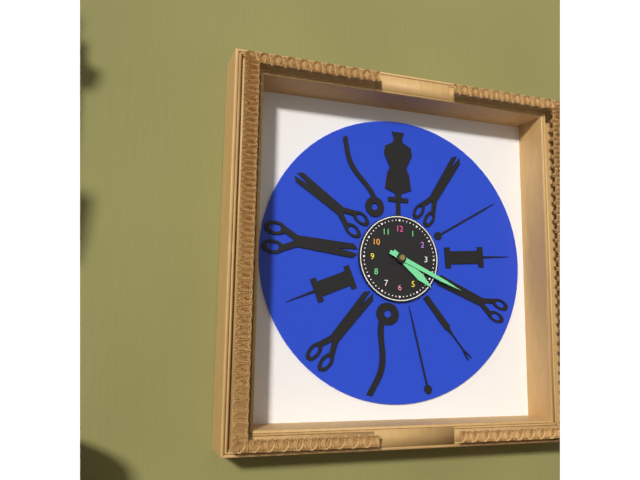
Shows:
{"hour": 4, "minute": 19}
